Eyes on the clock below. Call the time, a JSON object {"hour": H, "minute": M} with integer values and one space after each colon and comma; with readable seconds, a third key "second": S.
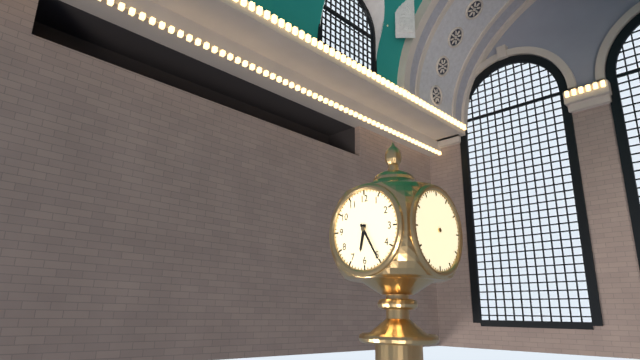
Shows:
{"hour": 6, "minute": 25}
